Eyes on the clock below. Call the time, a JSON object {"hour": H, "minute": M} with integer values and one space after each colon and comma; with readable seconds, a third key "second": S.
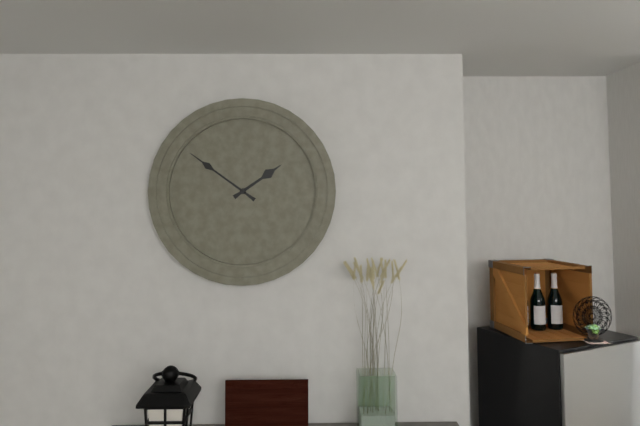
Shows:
{"hour": 1, "minute": 51}
